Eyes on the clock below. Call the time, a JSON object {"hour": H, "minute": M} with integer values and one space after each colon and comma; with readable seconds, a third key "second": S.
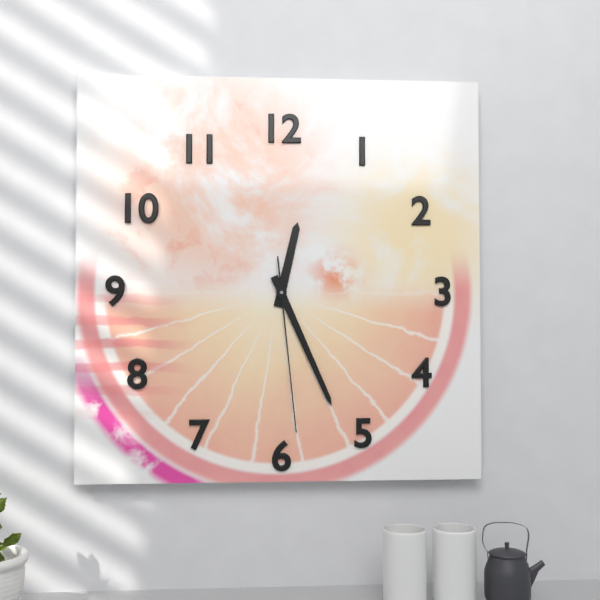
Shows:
{"hour": 12, "minute": 26, "second": 29}
